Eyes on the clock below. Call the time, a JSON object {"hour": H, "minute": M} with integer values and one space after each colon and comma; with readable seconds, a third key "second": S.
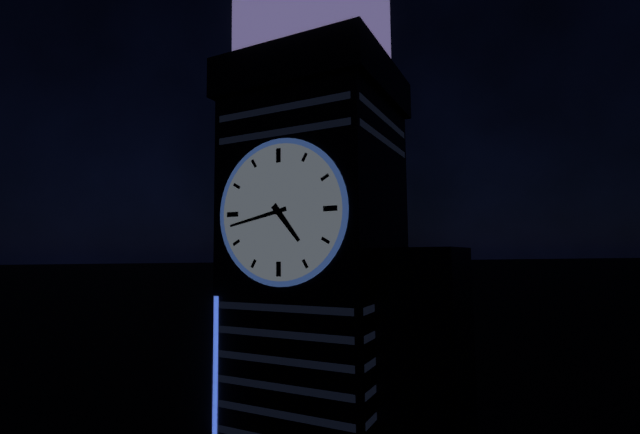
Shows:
{"hour": 4, "minute": 43}
